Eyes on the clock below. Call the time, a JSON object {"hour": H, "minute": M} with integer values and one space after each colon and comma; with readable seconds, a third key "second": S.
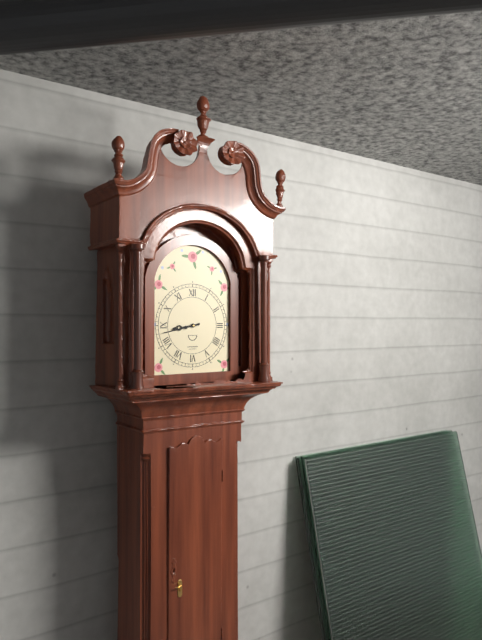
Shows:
{"hour": 8, "minute": 43}
